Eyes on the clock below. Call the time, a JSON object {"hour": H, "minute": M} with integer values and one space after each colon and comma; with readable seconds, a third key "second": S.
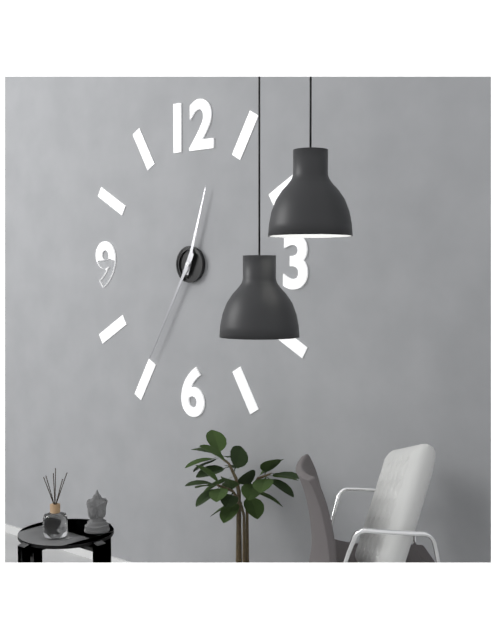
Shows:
{"hour": 12, "minute": 35}
